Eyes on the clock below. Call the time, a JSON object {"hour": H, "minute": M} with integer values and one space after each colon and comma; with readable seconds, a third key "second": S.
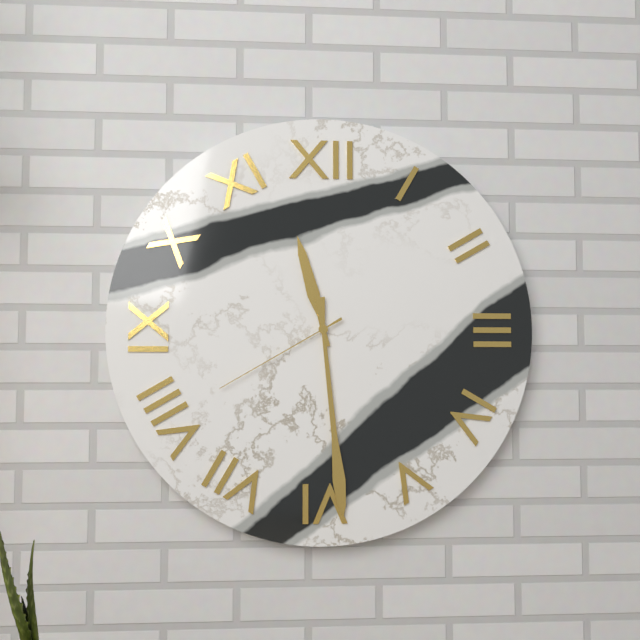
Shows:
{"hour": 11, "minute": 29, "second": 40}
